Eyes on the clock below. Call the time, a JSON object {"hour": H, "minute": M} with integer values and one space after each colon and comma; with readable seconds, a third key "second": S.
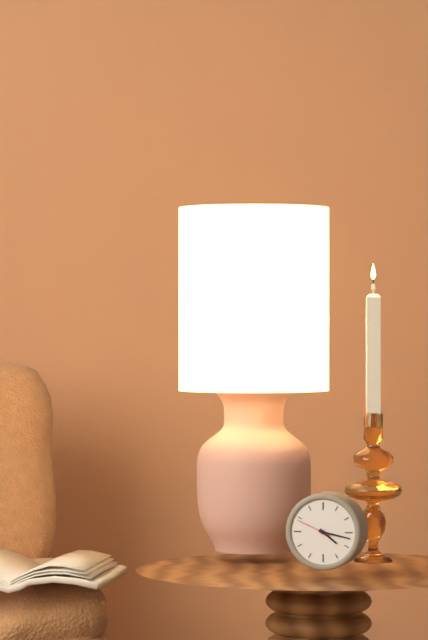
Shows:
{"hour": 4, "minute": 17}
